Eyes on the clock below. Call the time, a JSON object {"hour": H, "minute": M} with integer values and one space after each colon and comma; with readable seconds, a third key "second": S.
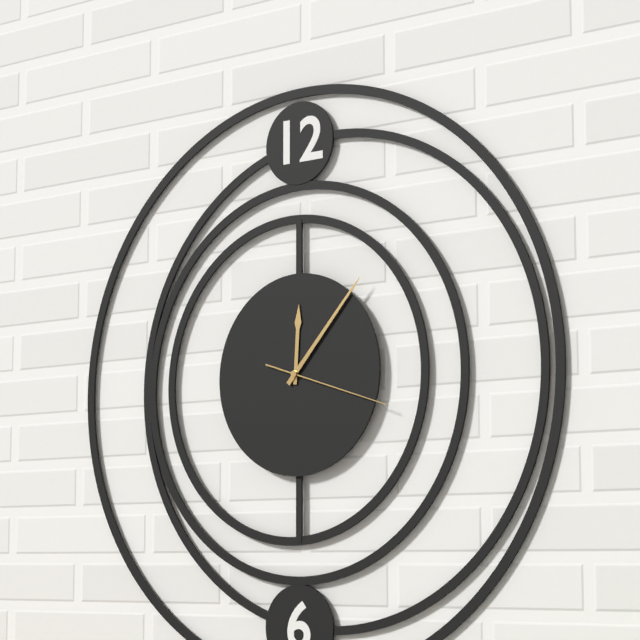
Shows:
{"hour": 12, "minute": 7, "second": 18}
